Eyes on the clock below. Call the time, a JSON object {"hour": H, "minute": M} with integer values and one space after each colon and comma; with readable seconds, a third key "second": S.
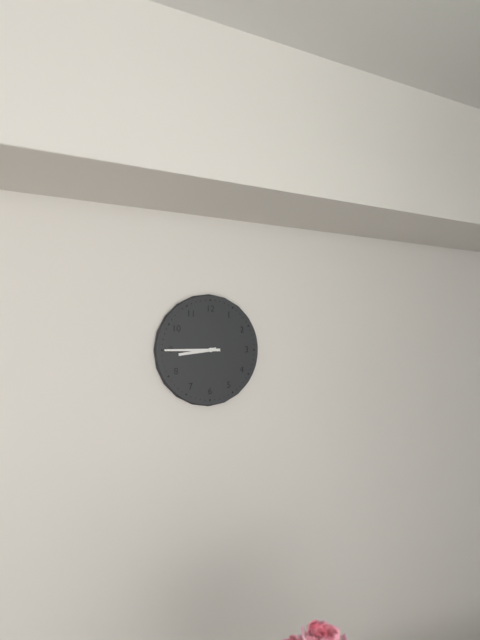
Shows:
{"hour": 8, "minute": 45}
